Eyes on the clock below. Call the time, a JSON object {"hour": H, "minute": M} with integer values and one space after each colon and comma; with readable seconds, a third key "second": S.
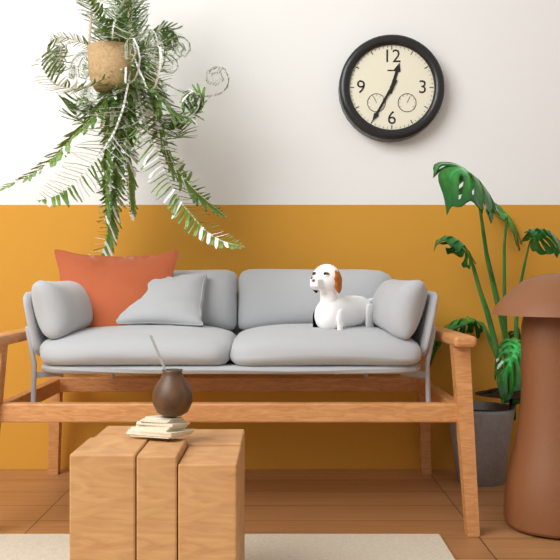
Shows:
{"hour": 12, "minute": 35}
